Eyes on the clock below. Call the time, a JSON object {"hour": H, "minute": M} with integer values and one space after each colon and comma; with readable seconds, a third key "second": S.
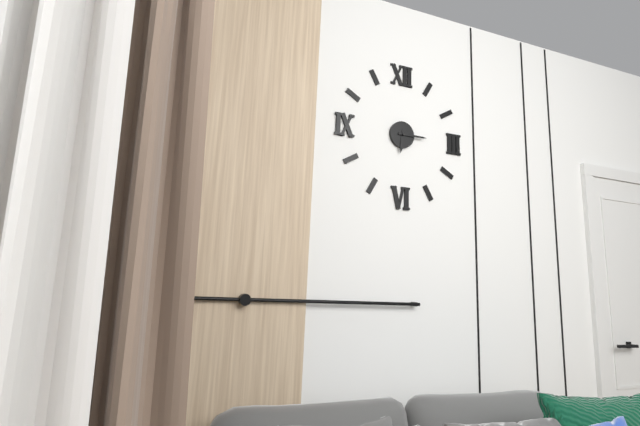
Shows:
{"hour": 6, "minute": 15}
